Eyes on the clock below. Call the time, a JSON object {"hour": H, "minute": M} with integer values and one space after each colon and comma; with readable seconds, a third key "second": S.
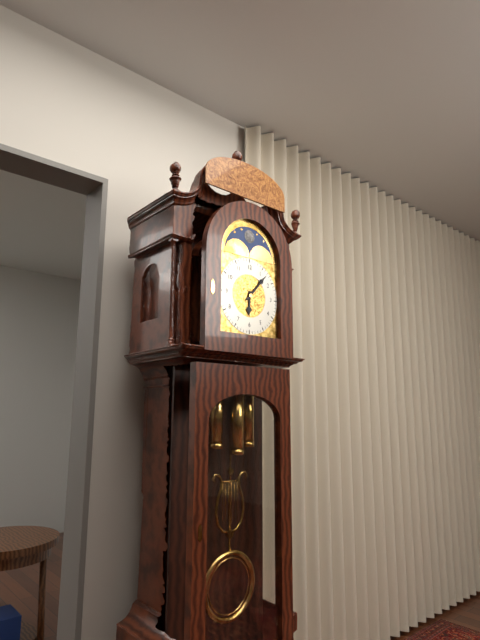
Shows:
{"hour": 6, "minute": 7}
